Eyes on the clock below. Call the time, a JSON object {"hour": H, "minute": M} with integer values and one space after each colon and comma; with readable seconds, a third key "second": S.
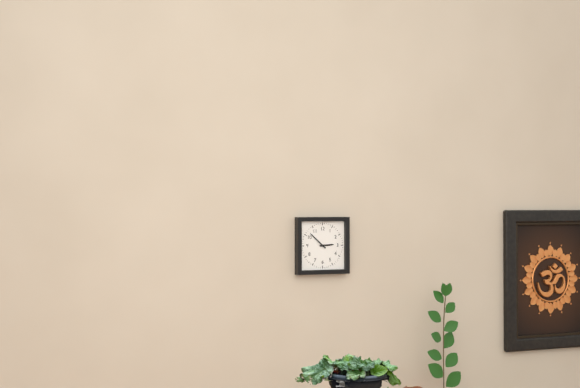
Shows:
{"hour": 2, "minute": 52}
